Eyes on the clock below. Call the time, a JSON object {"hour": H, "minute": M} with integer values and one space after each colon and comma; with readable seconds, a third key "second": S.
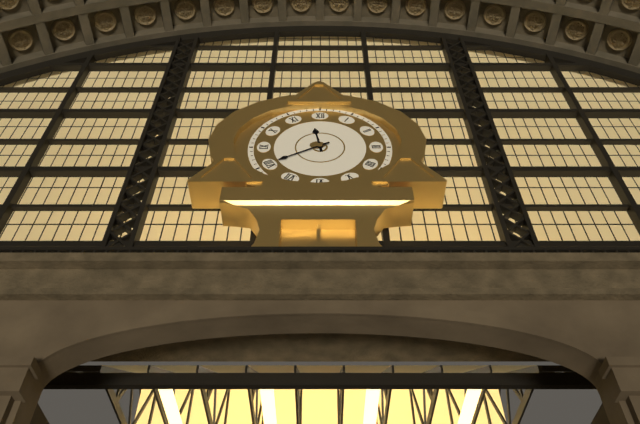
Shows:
{"hour": 11, "minute": 40}
